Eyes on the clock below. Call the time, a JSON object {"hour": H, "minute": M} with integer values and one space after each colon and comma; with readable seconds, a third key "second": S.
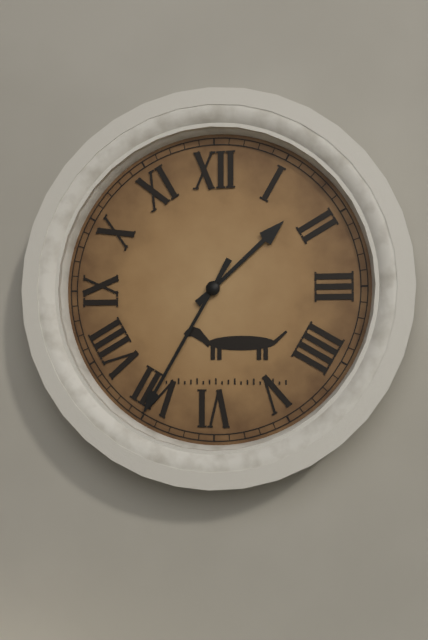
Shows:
{"hour": 1, "minute": 35}
